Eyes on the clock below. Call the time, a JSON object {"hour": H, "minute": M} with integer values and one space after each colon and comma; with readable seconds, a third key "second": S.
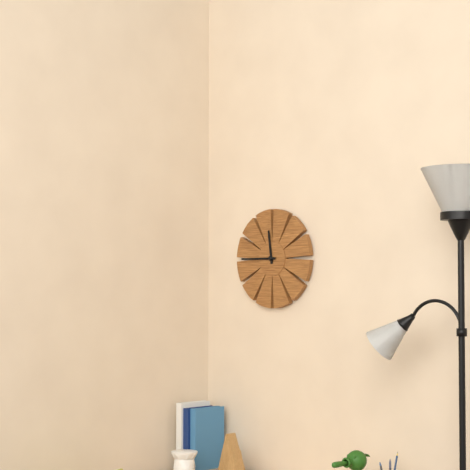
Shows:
{"hour": 11, "minute": 45}
